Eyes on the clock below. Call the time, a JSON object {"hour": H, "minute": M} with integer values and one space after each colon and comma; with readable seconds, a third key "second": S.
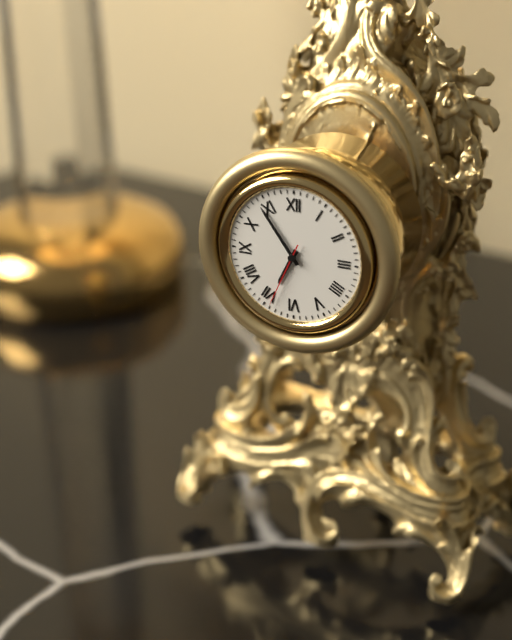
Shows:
{"hour": 6, "minute": 54, "second": 34}
